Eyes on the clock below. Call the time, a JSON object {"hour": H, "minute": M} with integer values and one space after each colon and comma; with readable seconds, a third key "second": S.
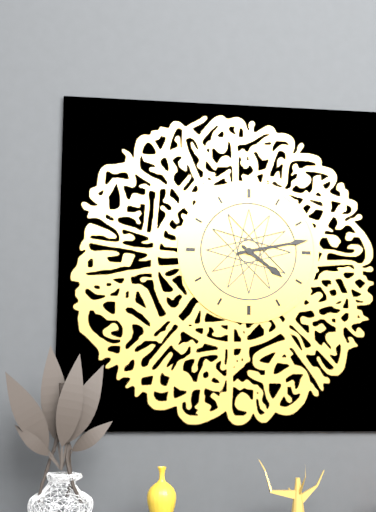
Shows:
{"hour": 4, "minute": 13}
